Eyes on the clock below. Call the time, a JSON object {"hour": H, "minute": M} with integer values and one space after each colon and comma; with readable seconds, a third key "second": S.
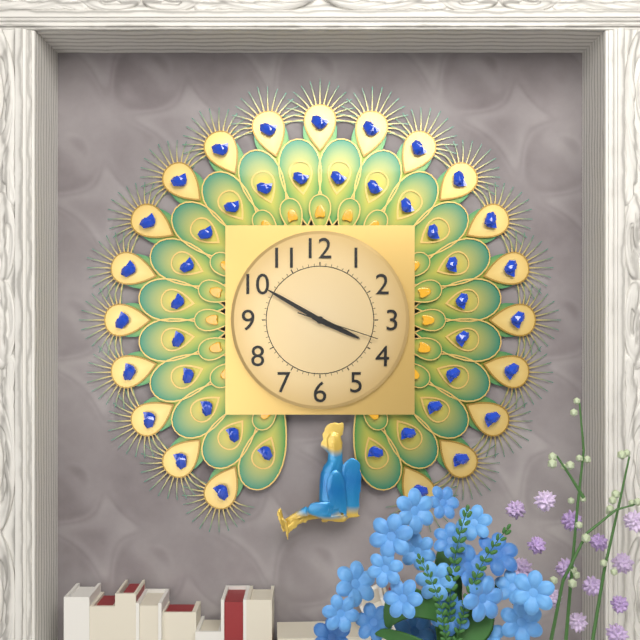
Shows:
{"hour": 3, "minute": 50, "second": 18}
